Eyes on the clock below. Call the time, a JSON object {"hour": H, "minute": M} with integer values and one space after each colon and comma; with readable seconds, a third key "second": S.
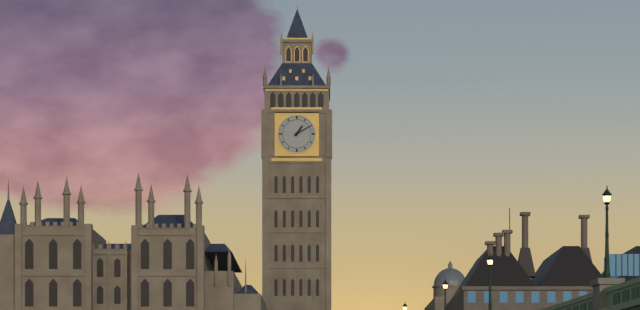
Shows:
{"hour": 1, "minute": 10}
